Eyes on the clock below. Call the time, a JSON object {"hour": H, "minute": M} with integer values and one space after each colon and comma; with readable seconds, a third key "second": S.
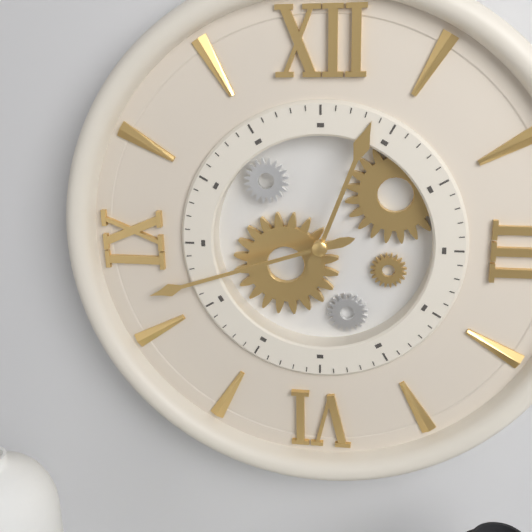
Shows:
{"hour": 12, "minute": 42}
